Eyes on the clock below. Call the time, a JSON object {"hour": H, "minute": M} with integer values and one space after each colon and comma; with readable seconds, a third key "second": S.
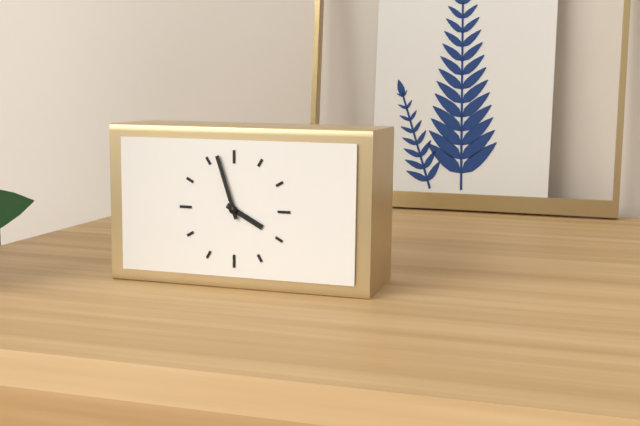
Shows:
{"hour": 3, "minute": 57}
